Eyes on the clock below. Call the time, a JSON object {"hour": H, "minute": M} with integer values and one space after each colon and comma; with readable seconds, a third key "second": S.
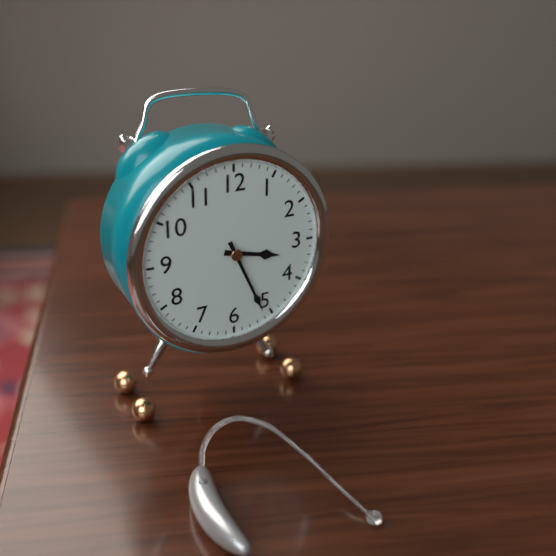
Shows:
{"hour": 3, "minute": 26}
